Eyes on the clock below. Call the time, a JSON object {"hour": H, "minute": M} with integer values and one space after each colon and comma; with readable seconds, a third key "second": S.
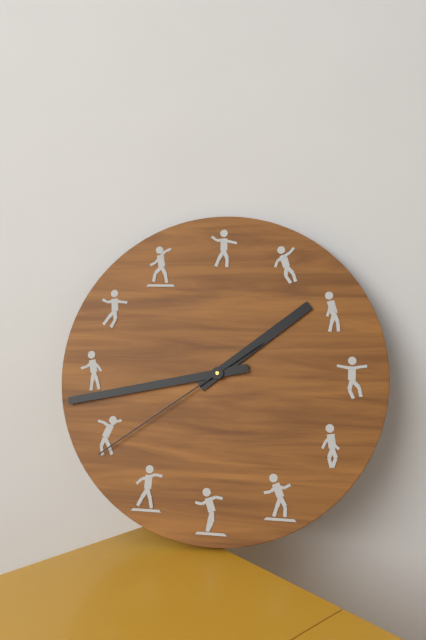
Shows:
{"hour": 1, "minute": 43, "second": 39}
